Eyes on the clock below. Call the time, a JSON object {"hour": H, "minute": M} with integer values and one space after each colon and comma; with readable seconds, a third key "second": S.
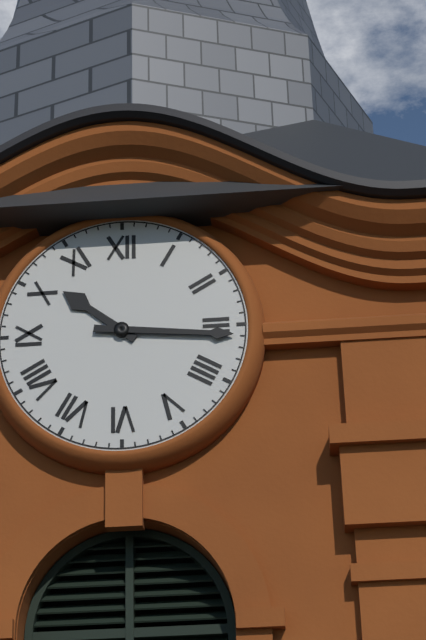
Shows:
{"hour": 10, "minute": 16}
